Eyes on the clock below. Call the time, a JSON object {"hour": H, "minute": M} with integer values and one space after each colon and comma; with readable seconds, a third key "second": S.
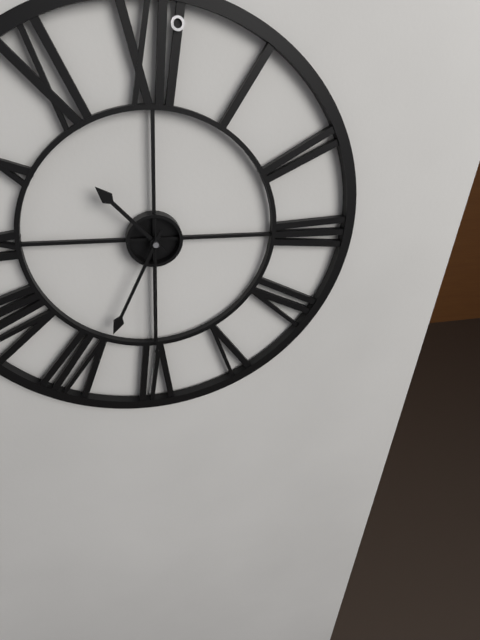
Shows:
{"hour": 10, "minute": 34, "second": 30}
